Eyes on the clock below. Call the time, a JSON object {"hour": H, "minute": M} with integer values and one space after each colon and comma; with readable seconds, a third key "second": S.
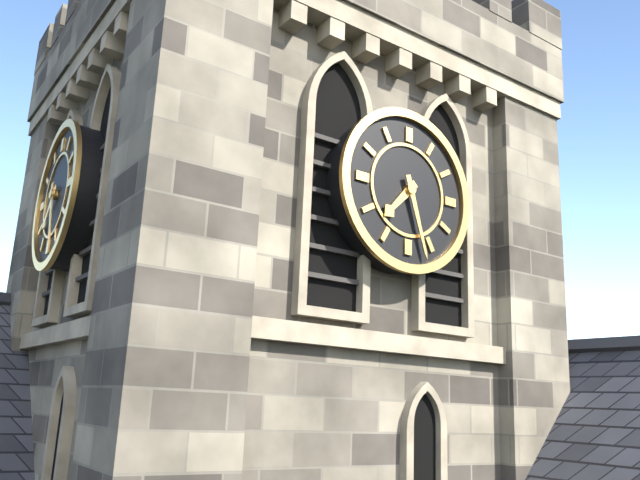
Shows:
{"hour": 7, "minute": 27}
